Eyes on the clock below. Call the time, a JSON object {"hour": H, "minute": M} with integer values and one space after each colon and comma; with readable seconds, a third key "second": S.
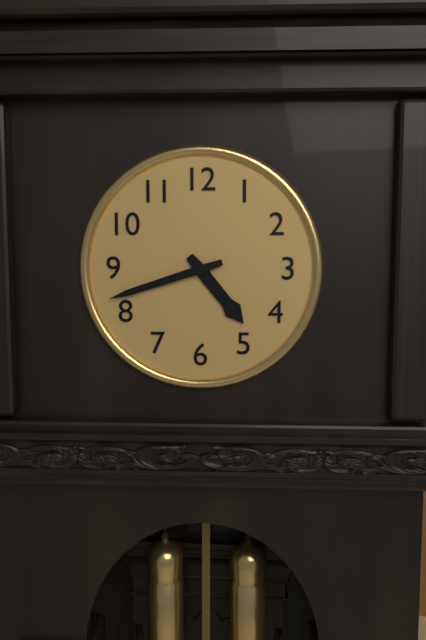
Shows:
{"hour": 4, "minute": 42}
